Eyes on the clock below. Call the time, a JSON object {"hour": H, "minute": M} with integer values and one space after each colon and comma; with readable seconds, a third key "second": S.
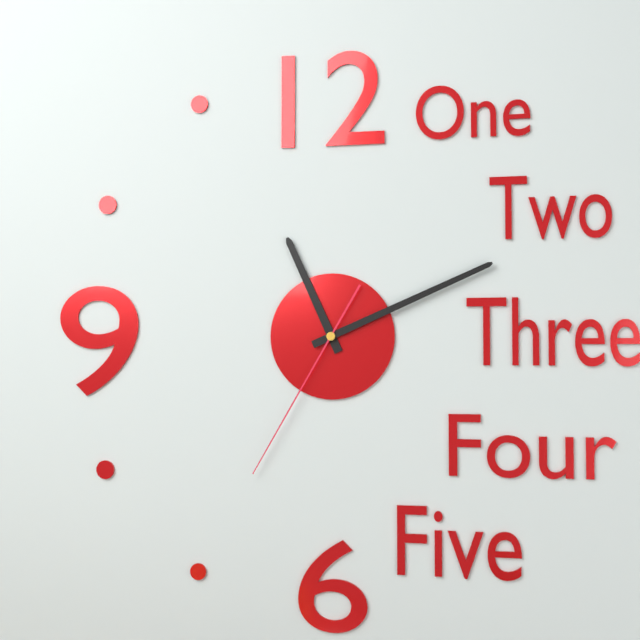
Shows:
{"hour": 11, "minute": 11, "second": 35}
